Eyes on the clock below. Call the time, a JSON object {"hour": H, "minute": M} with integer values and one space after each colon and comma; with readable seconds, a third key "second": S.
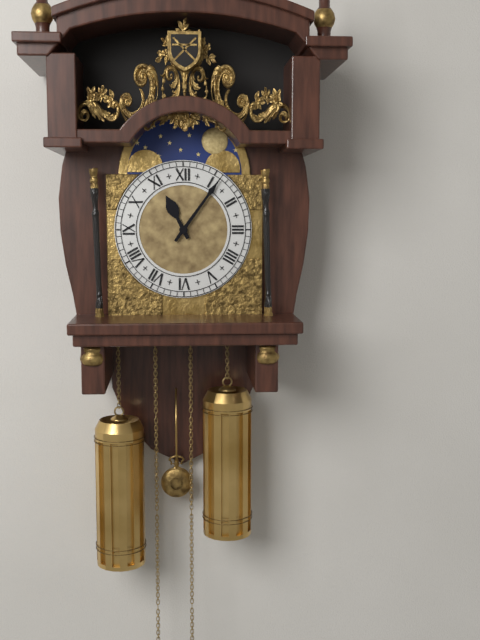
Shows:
{"hour": 11, "minute": 6}
